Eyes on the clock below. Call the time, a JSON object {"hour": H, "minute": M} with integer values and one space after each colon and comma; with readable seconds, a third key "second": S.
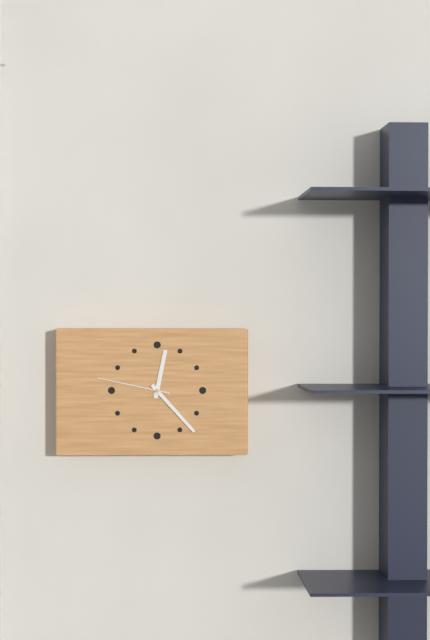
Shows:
{"hour": 12, "minute": 23, "second": 47}
